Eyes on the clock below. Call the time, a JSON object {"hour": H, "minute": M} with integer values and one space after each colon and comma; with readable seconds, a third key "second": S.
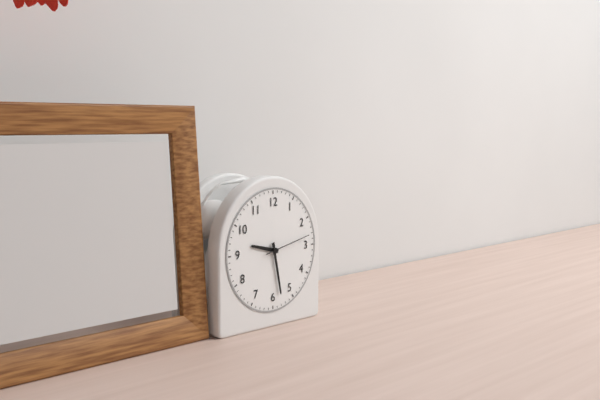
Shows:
{"hour": 9, "minute": 28}
